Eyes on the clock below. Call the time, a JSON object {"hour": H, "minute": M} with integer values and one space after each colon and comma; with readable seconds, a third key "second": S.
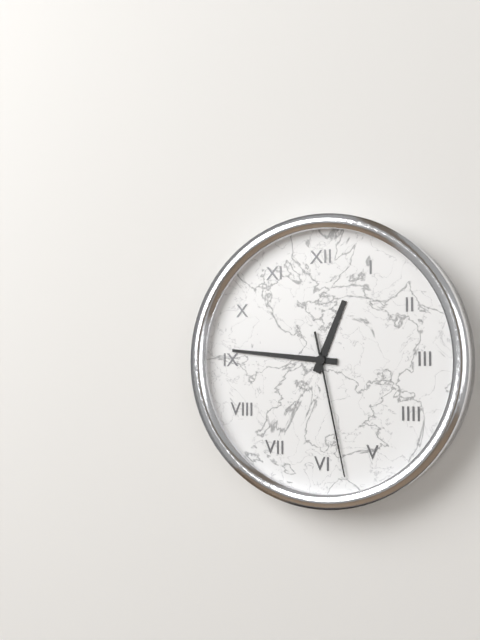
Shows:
{"hour": 12, "minute": 46, "second": 28}
